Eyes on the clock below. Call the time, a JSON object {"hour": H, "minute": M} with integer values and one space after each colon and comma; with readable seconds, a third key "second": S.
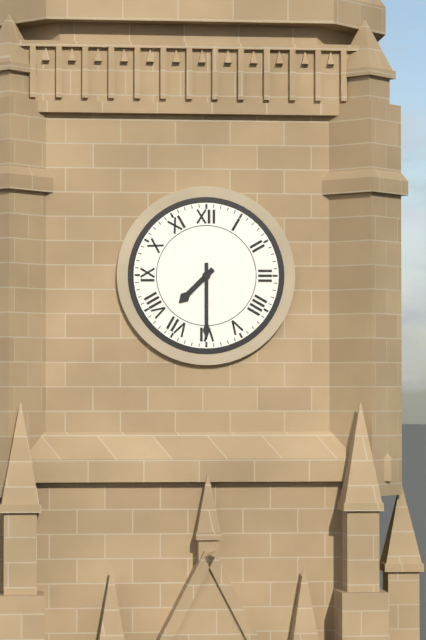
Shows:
{"hour": 7, "minute": 30}
